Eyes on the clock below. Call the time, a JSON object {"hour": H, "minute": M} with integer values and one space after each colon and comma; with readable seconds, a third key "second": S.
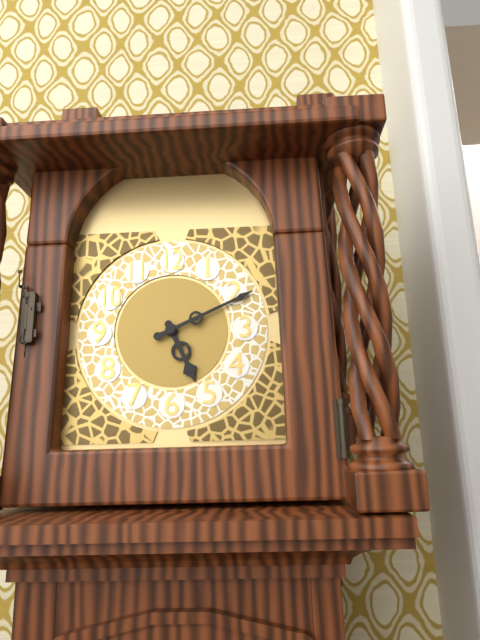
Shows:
{"hour": 5, "minute": 11}
